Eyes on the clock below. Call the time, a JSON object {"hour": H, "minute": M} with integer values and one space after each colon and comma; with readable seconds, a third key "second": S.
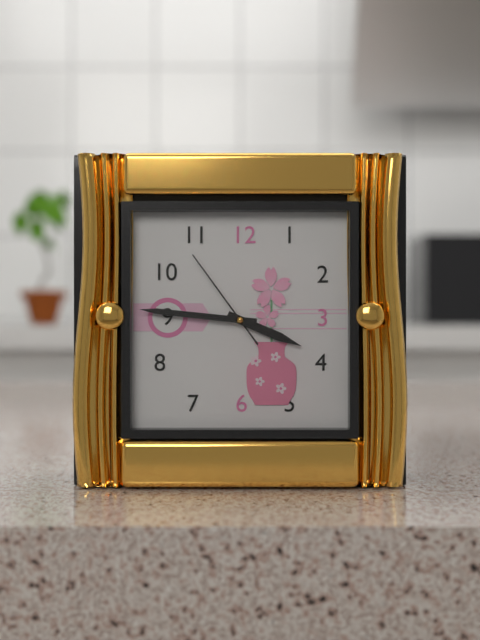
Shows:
{"hour": 3, "minute": 46, "second": 54}
